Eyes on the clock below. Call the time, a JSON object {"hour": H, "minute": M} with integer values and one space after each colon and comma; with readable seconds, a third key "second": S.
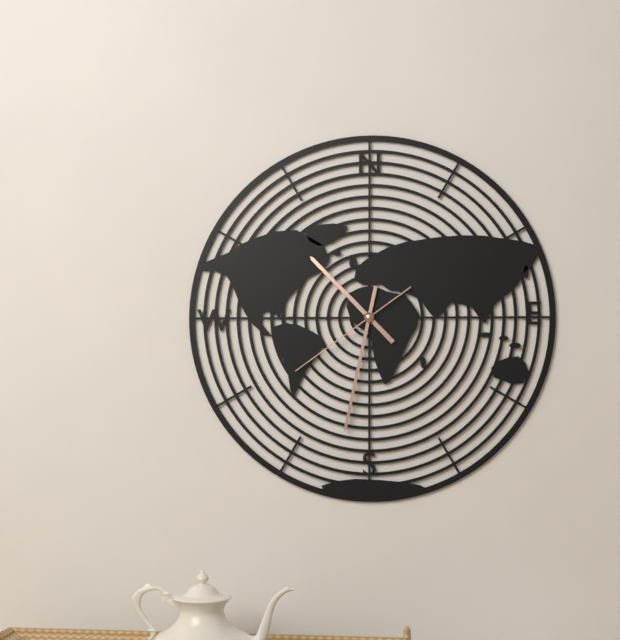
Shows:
{"hour": 10, "minute": 32, "second": 39}
